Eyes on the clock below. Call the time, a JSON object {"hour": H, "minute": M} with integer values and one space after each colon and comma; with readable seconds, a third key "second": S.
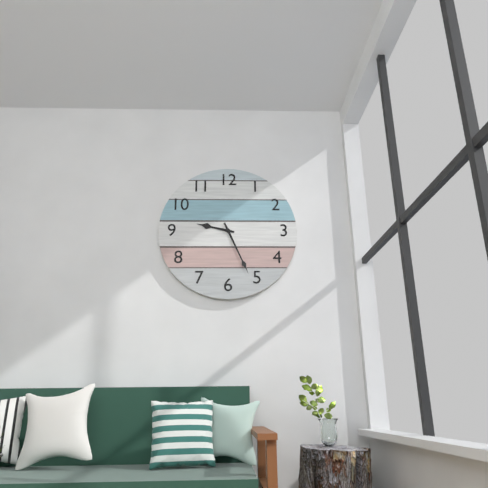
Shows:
{"hour": 9, "minute": 26}
